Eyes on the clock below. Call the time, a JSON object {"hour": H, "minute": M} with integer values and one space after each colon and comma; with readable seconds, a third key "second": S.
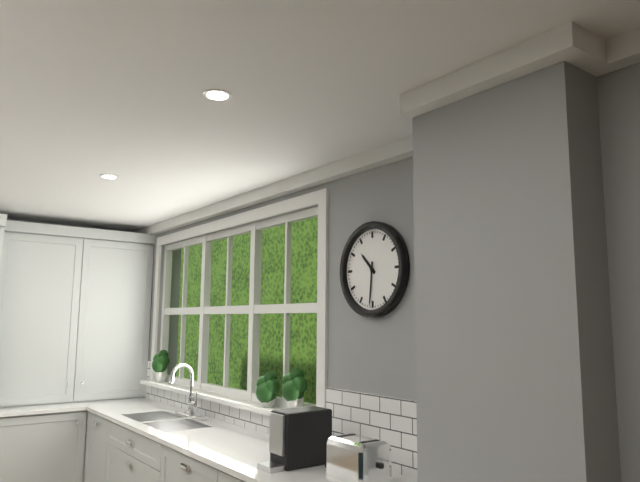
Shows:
{"hour": 10, "minute": 31}
